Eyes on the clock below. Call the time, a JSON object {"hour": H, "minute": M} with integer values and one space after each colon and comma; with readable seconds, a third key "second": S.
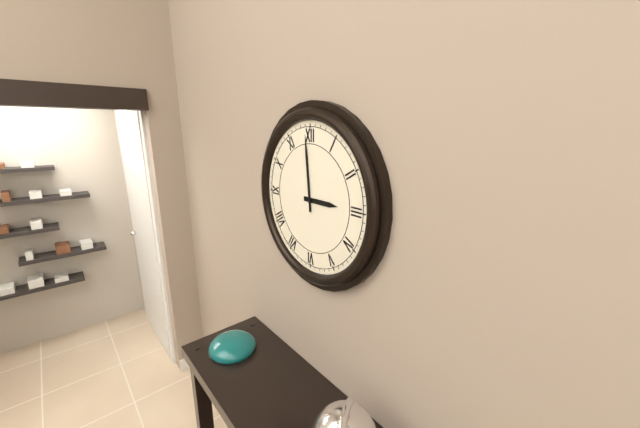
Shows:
{"hour": 2, "minute": 59}
